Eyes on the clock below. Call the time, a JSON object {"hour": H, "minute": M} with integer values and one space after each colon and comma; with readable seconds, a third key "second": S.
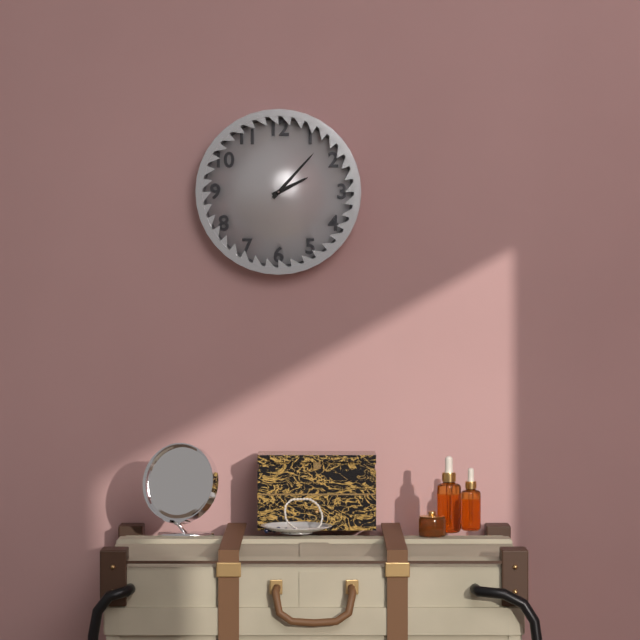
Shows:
{"hour": 2, "minute": 7}
